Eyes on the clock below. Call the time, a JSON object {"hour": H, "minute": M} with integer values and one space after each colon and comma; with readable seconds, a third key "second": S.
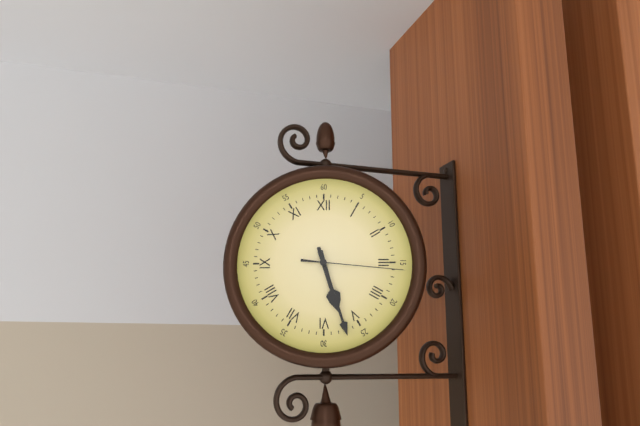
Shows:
{"hour": 5, "minute": 27, "second": 16}
